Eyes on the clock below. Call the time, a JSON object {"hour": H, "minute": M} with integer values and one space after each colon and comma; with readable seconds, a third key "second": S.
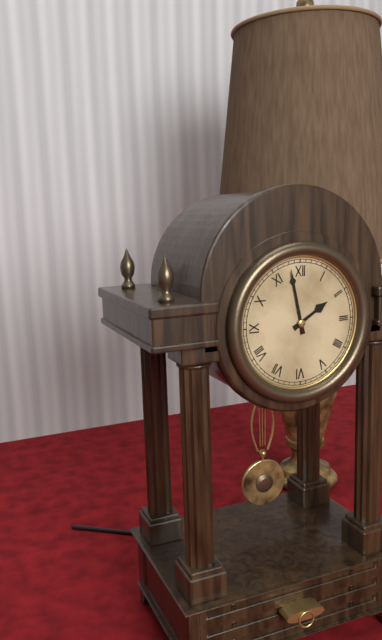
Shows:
{"hour": 1, "minute": 58}
